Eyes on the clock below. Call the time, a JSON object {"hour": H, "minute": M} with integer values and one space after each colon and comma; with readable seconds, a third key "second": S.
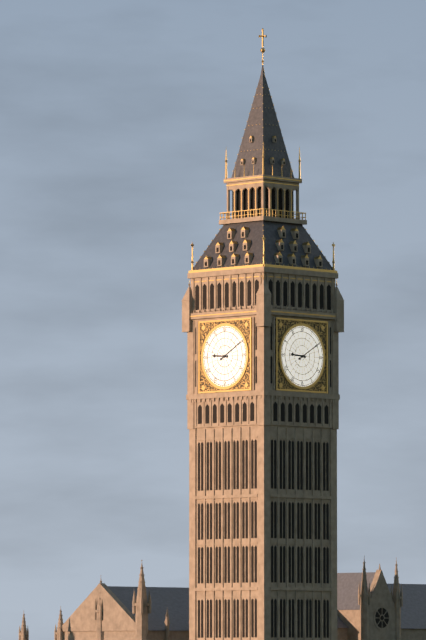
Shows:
{"hour": 9, "minute": 10}
